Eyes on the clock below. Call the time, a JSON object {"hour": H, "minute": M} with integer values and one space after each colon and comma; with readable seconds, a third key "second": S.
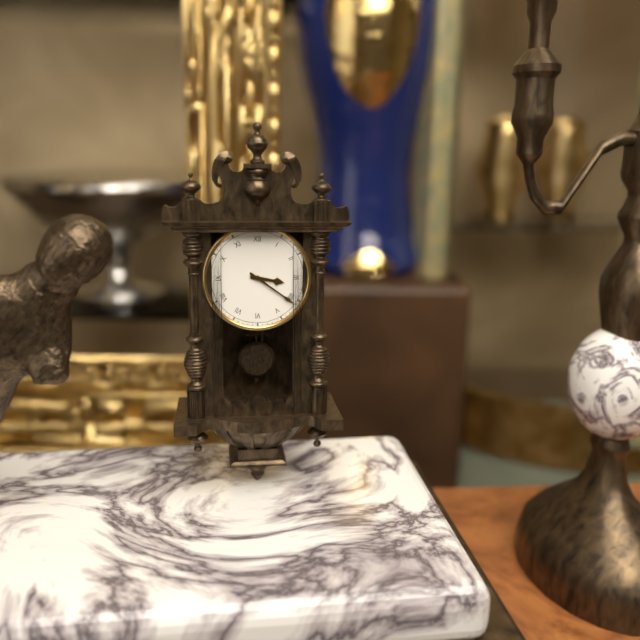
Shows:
{"hour": 3, "minute": 21}
